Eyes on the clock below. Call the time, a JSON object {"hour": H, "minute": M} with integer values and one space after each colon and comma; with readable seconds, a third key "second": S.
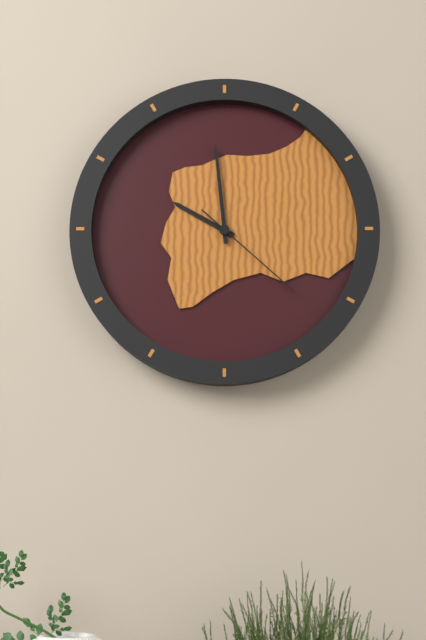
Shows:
{"hour": 9, "minute": 59, "second": 22}
